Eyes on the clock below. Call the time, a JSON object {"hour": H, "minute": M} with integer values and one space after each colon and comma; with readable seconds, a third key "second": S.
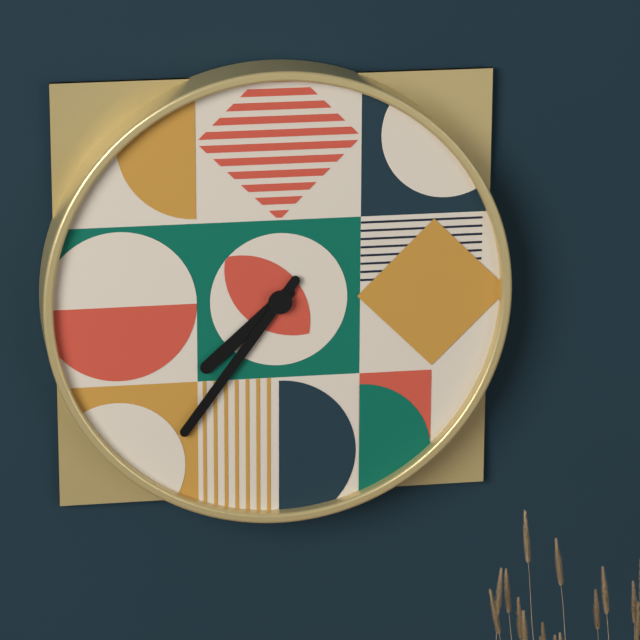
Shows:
{"hour": 7, "minute": 36}
